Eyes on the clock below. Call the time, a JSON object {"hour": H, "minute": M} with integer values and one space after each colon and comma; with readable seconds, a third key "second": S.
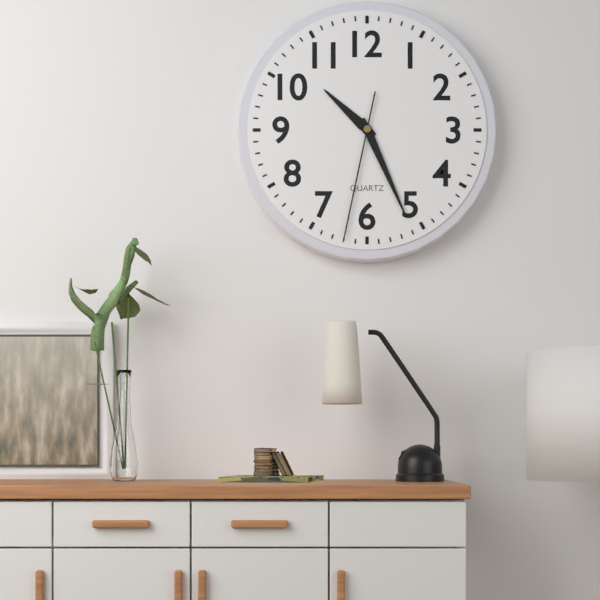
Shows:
{"hour": 10, "minute": 26, "second": 32}
